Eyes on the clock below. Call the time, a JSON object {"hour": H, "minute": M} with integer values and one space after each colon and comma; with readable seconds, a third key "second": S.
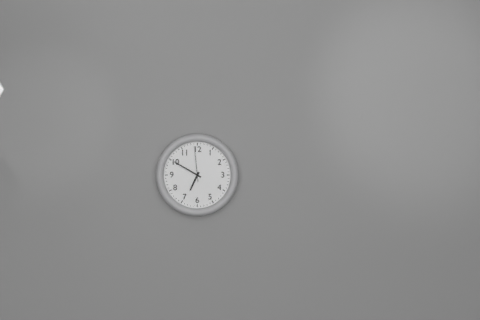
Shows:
{"hour": 6, "minute": 50}
